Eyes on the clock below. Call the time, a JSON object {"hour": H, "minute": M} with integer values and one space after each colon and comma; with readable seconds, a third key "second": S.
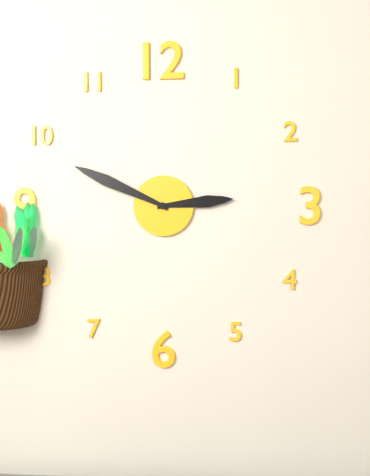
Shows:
{"hour": 2, "minute": 49}
